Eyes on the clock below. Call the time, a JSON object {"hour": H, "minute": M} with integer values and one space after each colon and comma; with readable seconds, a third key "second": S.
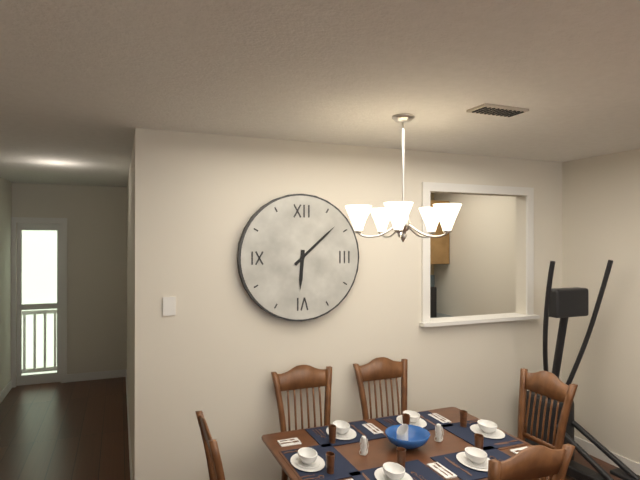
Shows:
{"hour": 6, "minute": 8}
